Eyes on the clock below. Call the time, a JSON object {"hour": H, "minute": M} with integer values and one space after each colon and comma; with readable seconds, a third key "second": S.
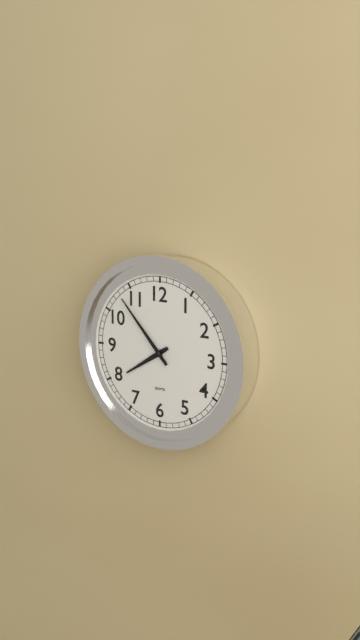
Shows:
{"hour": 7, "minute": 53}
